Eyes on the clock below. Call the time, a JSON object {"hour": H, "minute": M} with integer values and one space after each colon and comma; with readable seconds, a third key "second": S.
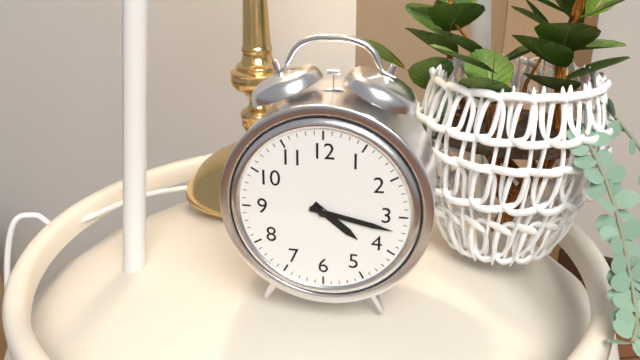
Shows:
{"hour": 4, "minute": 17}
